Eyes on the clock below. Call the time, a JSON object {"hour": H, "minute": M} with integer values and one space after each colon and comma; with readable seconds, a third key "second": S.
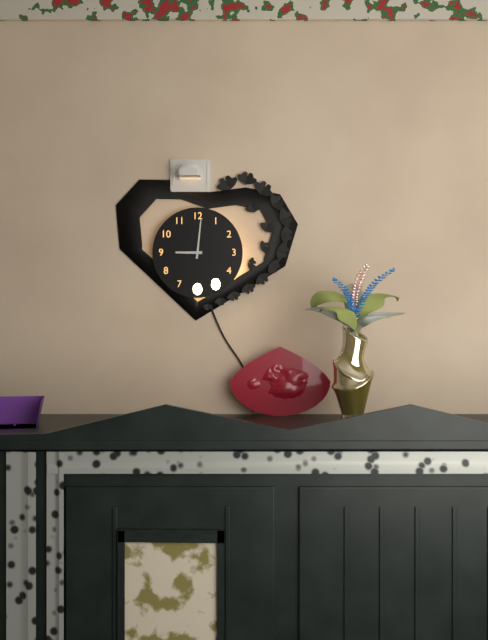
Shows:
{"hour": 9, "minute": 1}
